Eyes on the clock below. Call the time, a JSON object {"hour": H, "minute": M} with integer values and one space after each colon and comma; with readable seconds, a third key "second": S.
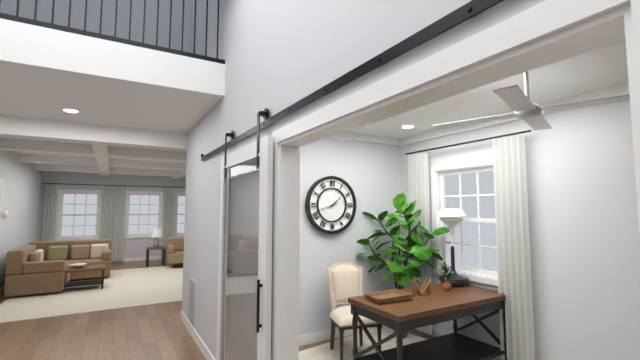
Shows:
{"hour": 1, "minute": 42}
